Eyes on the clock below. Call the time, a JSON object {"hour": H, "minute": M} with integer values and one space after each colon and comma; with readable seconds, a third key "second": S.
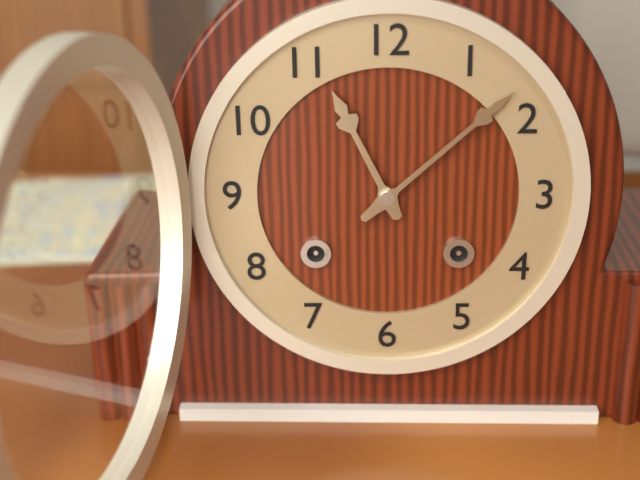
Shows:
{"hour": 11, "minute": 8}
